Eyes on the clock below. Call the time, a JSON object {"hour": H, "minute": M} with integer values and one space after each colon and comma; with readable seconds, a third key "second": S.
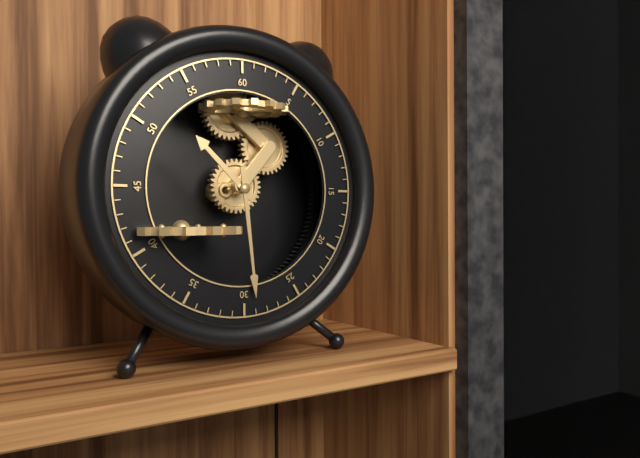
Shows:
{"hour": 10, "minute": 29}
